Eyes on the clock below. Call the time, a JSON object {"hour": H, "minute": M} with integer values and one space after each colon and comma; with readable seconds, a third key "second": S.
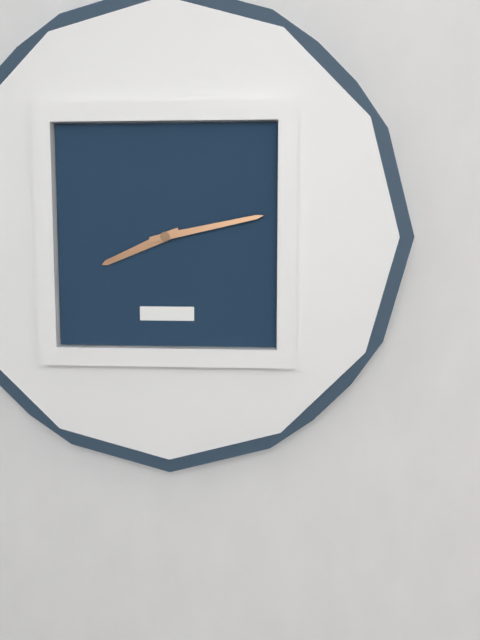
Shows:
{"hour": 8, "minute": 13}
